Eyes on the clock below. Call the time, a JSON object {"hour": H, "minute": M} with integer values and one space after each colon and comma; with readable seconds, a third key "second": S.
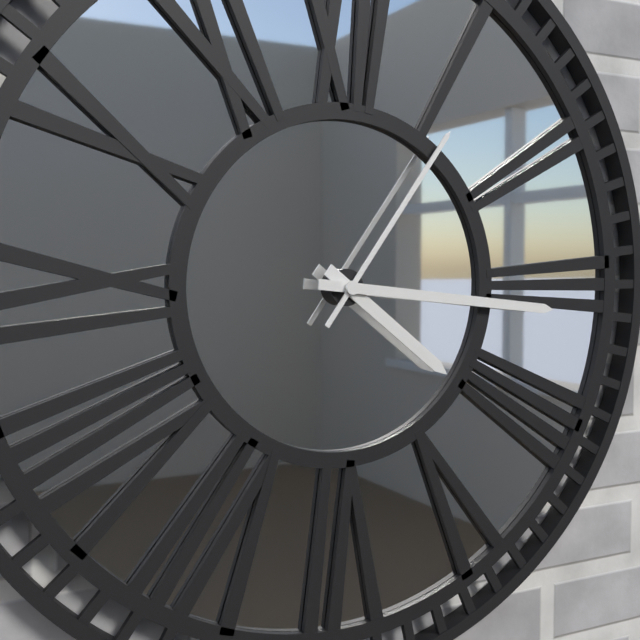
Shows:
{"hour": 4, "minute": 16, "second": 6}
